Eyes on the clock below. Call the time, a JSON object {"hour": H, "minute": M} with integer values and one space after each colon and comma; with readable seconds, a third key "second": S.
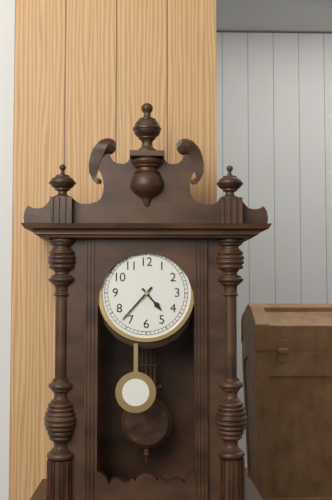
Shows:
{"hour": 4, "minute": 37}
